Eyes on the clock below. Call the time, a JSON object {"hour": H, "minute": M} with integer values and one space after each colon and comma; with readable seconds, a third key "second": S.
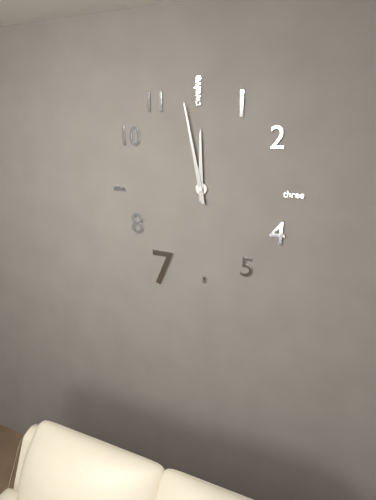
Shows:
{"hour": 11, "minute": 58}
